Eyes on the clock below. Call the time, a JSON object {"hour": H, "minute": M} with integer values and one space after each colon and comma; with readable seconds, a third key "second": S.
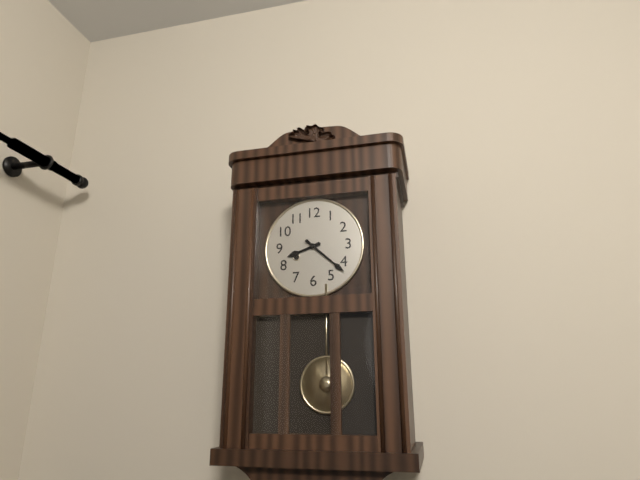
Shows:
{"hour": 8, "minute": 22}
